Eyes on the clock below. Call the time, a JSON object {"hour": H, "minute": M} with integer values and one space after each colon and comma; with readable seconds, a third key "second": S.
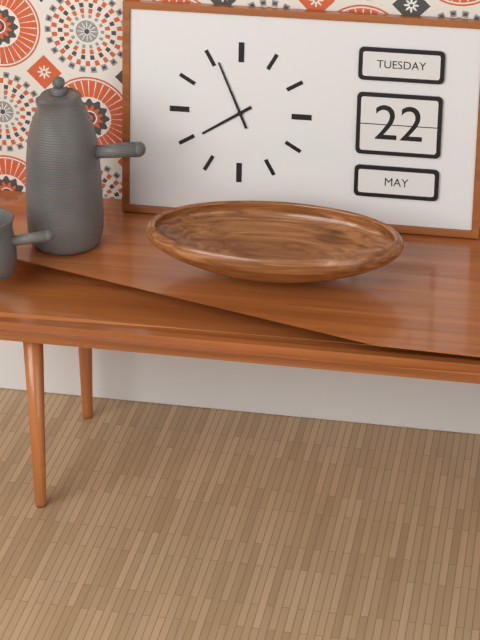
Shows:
{"hour": 7, "minute": 56}
